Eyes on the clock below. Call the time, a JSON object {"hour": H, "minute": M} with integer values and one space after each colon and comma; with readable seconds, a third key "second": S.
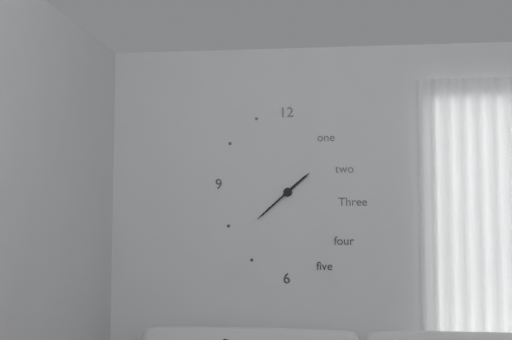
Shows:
{"hour": 1, "minute": 38}
